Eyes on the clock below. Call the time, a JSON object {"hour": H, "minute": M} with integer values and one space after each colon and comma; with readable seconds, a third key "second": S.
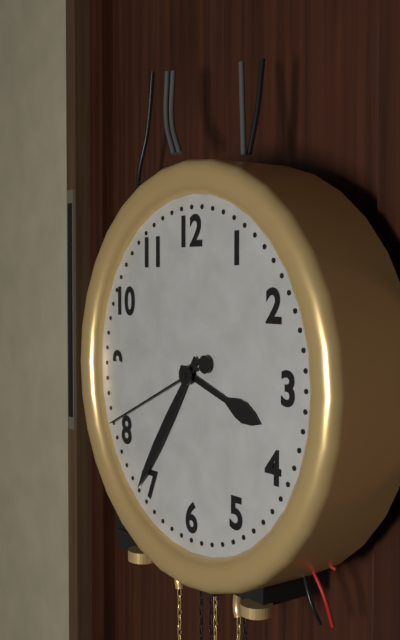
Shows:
{"hour": 3, "minute": 36, "second": 41}
